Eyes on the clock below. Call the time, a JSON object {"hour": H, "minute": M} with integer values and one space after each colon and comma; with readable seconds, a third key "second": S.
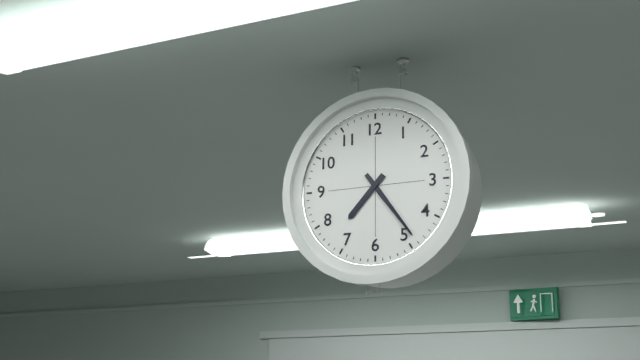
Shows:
{"hour": 7, "minute": 24}
